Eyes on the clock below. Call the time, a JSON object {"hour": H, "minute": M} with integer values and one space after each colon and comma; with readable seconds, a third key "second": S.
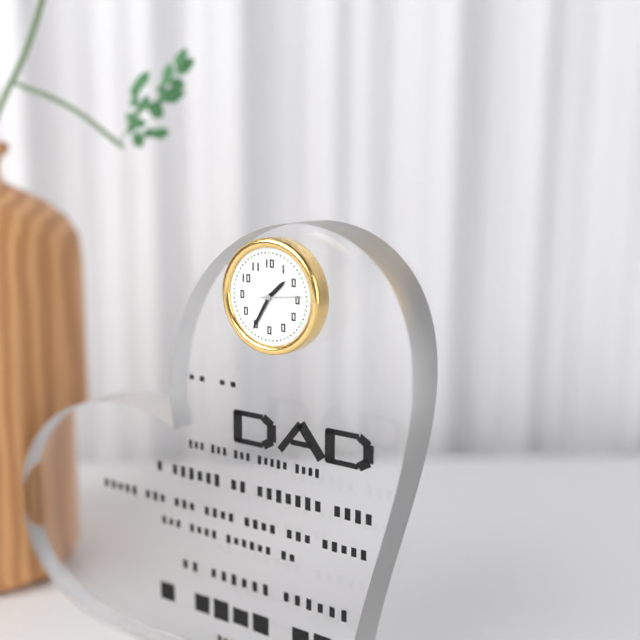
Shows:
{"hour": 1, "minute": 35}
